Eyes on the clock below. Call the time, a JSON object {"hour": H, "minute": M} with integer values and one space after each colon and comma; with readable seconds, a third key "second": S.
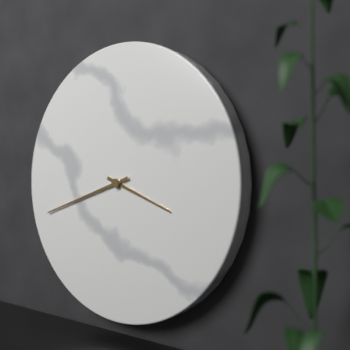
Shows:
{"hour": 3, "minute": 42}
